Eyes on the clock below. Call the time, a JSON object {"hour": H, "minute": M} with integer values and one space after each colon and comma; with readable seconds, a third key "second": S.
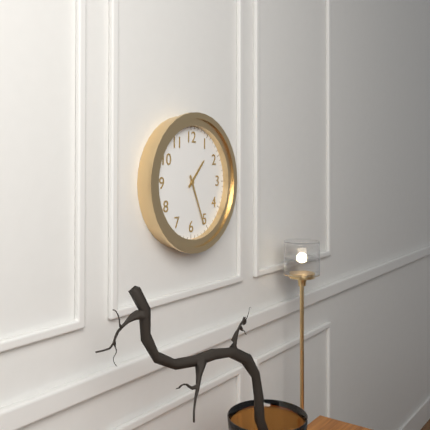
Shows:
{"hour": 1, "minute": 26}
